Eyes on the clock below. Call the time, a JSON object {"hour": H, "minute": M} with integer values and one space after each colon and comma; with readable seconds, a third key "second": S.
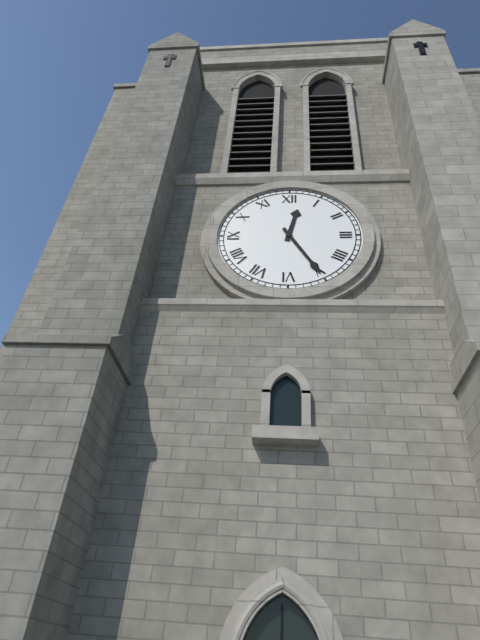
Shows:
{"hour": 12, "minute": 25}
